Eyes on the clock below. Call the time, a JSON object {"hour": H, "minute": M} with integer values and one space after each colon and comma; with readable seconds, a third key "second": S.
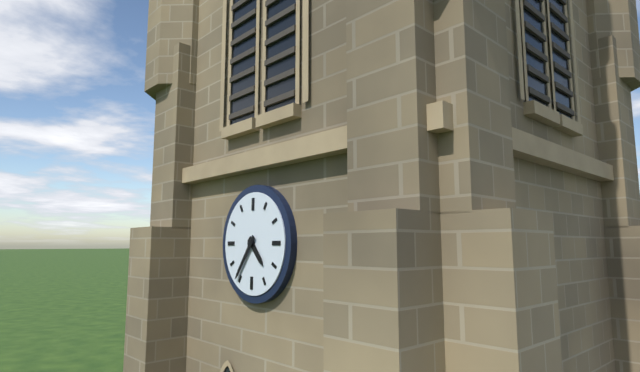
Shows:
{"hour": 4, "minute": 36}
